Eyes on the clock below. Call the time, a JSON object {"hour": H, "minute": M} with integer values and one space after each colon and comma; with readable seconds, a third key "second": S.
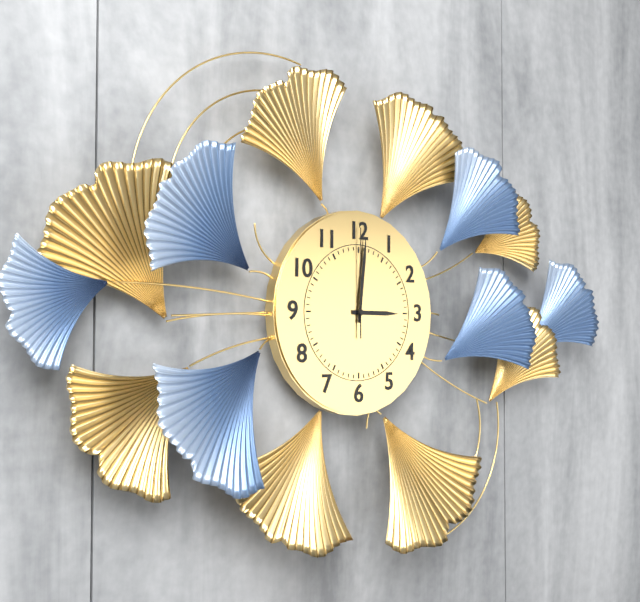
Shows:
{"hour": 3, "minute": 1, "second": 0}
